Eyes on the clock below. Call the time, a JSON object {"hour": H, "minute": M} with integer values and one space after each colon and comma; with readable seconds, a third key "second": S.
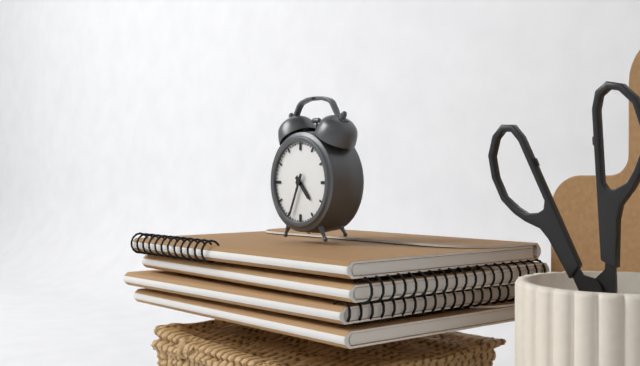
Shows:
{"hour": 4, "minute": 34}
